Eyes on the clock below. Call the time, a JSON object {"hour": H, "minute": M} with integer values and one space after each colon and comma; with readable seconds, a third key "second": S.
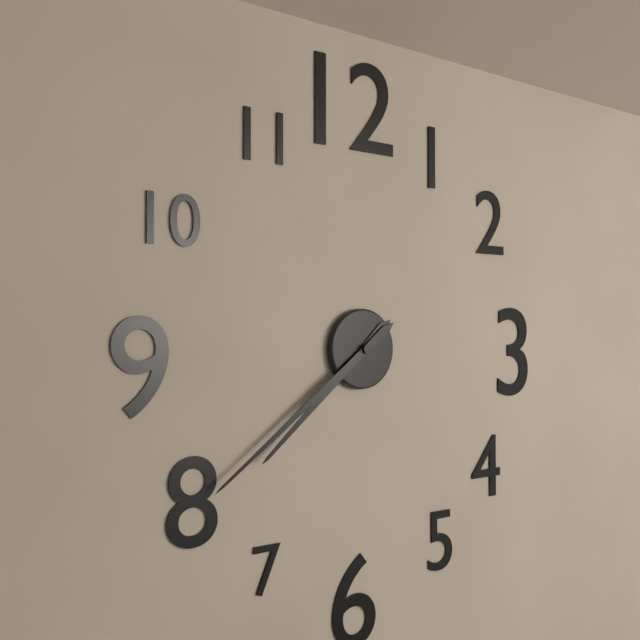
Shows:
{"hour": 7, "minute": 39}
